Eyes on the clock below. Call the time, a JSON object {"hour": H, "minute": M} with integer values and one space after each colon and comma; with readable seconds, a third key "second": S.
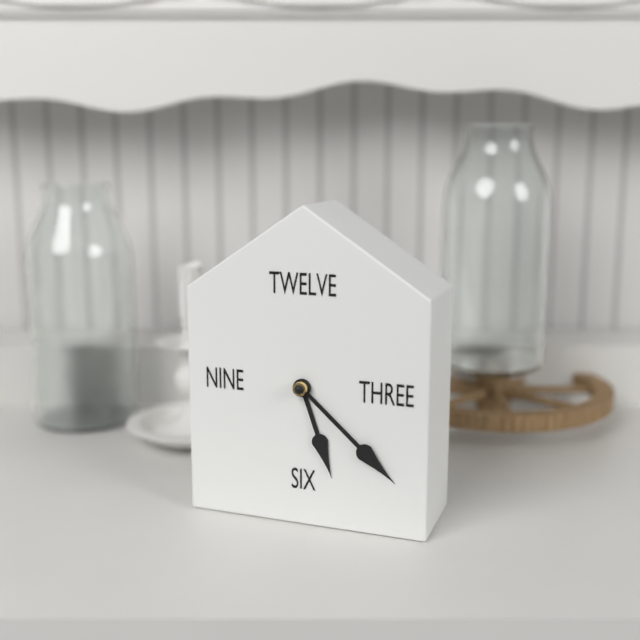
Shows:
{"hour": 5, "minute": 22}
